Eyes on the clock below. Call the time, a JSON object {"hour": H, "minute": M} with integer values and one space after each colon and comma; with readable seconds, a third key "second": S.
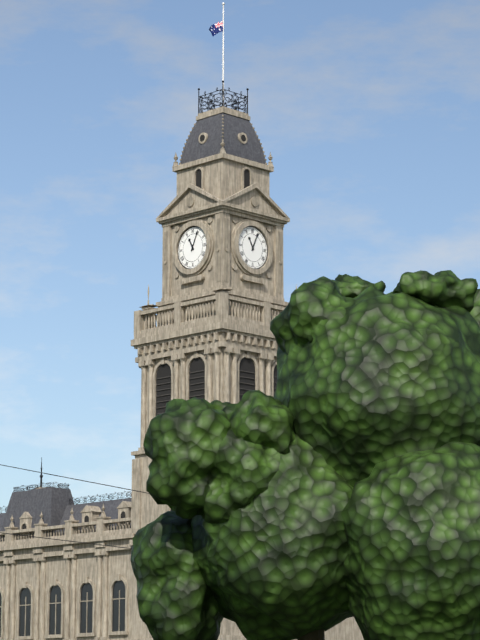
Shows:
{"hour": 11, "minute": 4}
